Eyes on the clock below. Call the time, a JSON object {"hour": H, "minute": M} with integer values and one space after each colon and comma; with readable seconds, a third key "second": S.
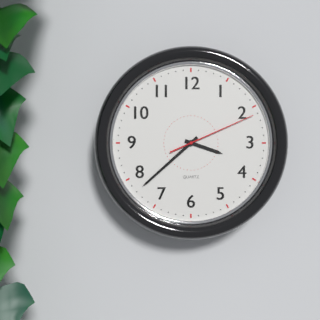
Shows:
{"hour": 3, "minute": 38, "second": 11}
